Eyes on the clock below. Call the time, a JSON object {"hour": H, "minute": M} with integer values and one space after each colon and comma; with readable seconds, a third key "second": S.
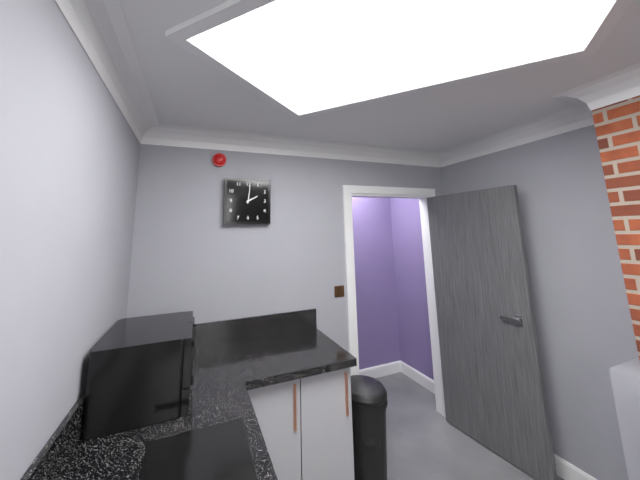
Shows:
{"hour": 2, "minute": 1}
